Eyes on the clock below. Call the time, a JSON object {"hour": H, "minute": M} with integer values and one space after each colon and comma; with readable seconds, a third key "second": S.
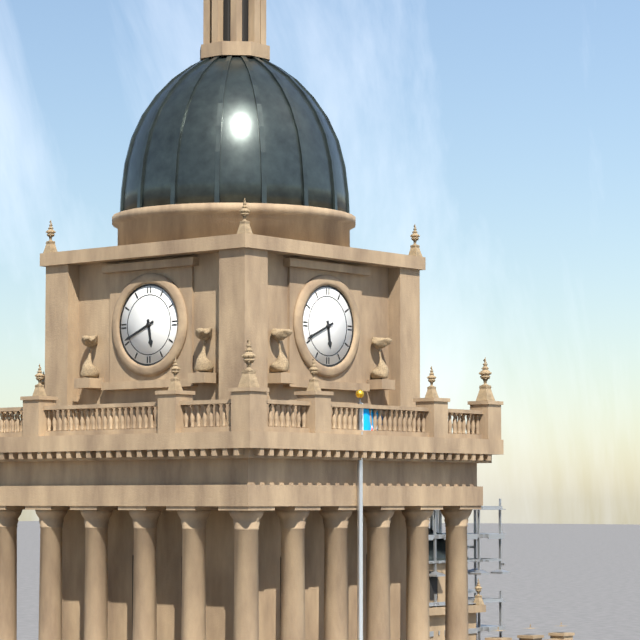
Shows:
{"hour": 5, "minute": 41}
